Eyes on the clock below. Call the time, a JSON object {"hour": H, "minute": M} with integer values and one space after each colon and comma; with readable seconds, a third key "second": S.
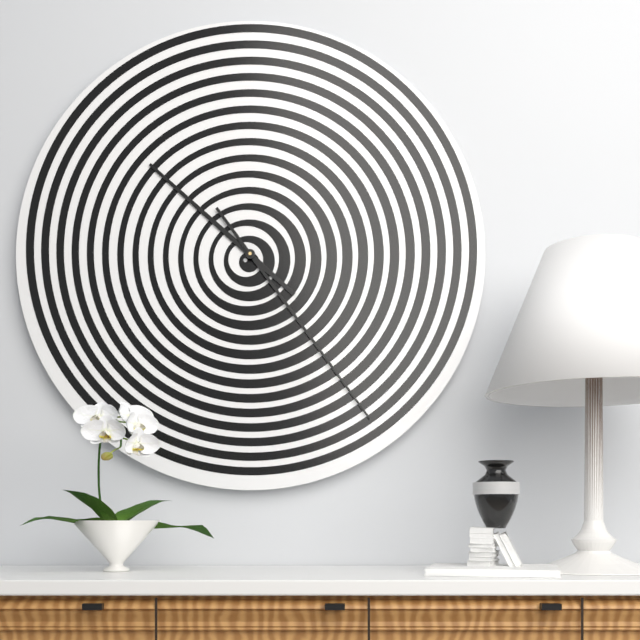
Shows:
{"hour": 10, "minute": 24}
